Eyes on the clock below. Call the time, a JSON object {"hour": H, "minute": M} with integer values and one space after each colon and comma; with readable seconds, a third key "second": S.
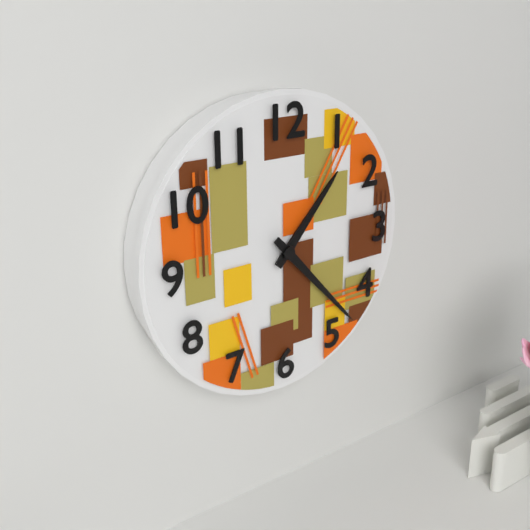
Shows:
{"hour": 1, "minute": 23}
